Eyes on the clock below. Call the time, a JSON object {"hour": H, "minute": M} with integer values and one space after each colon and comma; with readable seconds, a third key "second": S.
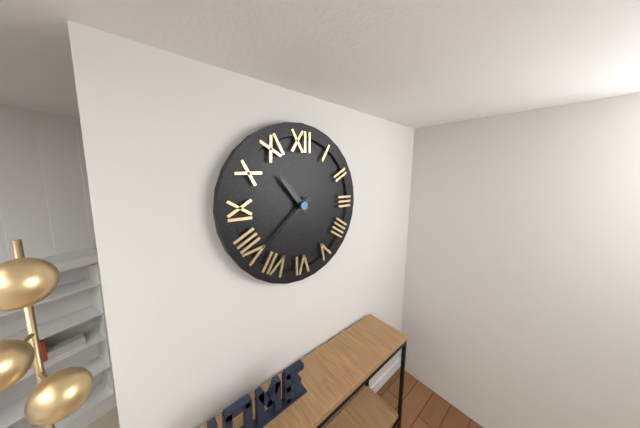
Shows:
{"hour": 10, "minute": 38}
